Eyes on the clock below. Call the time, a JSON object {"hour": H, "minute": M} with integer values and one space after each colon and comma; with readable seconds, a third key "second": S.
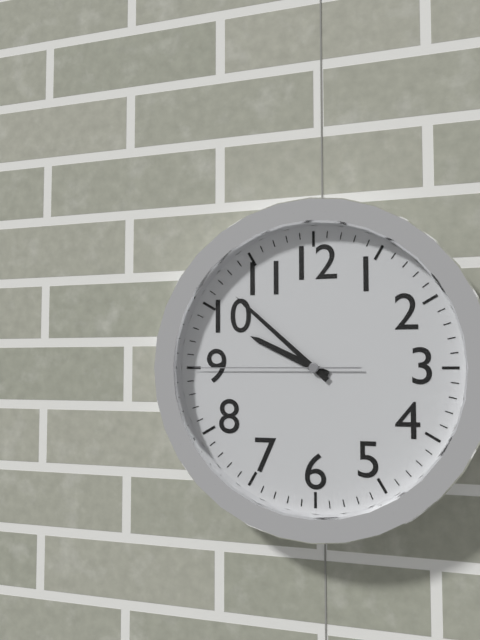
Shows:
{"hour": 9, "minute": 52, "second": 45}
